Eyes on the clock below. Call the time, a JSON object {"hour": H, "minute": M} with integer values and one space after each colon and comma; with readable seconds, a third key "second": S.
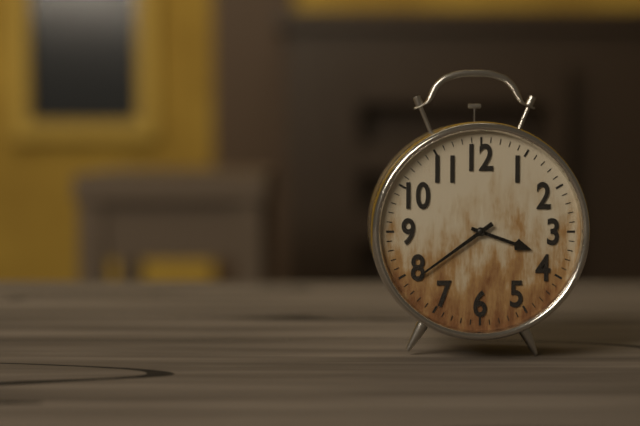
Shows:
{"hour": 3, "minute": 39}
